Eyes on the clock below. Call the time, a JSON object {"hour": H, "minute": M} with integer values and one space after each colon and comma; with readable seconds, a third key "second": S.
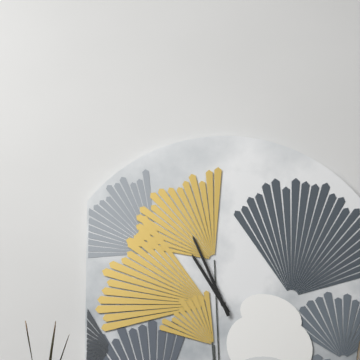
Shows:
{"hour": 10, "minute": 56}
